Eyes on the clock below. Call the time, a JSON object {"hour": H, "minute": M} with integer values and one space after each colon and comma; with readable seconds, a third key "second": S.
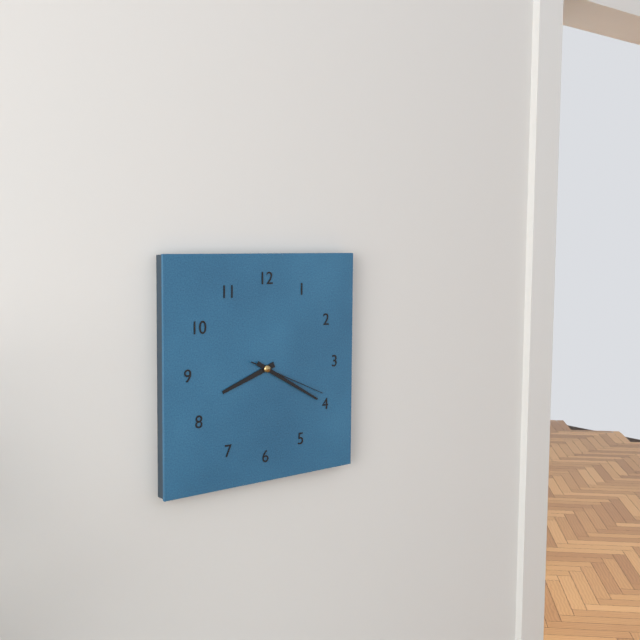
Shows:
{"hour": 8, "minute": 20, "second": 19}
